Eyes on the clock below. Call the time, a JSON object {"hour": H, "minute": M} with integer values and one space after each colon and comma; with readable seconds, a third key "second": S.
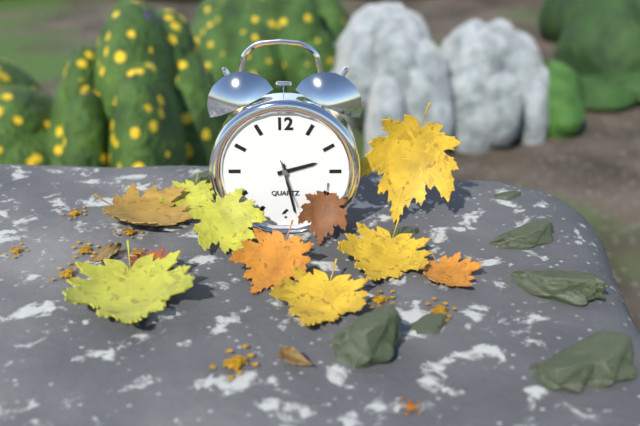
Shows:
{"hour": 2, "minute": 28}
